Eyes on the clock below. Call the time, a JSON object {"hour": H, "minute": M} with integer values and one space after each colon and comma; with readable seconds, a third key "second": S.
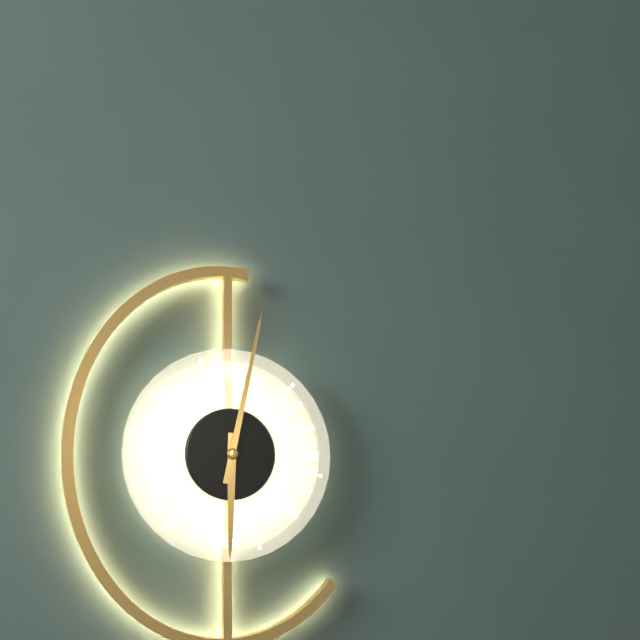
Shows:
{"hour": 6, "minute": 2}
